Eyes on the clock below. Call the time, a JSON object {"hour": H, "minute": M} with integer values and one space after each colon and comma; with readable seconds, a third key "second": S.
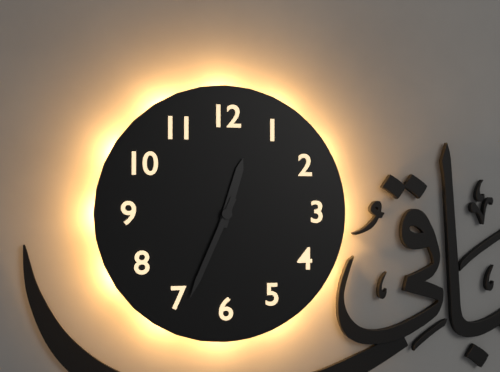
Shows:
{"hour": 12, "minute": 34}
